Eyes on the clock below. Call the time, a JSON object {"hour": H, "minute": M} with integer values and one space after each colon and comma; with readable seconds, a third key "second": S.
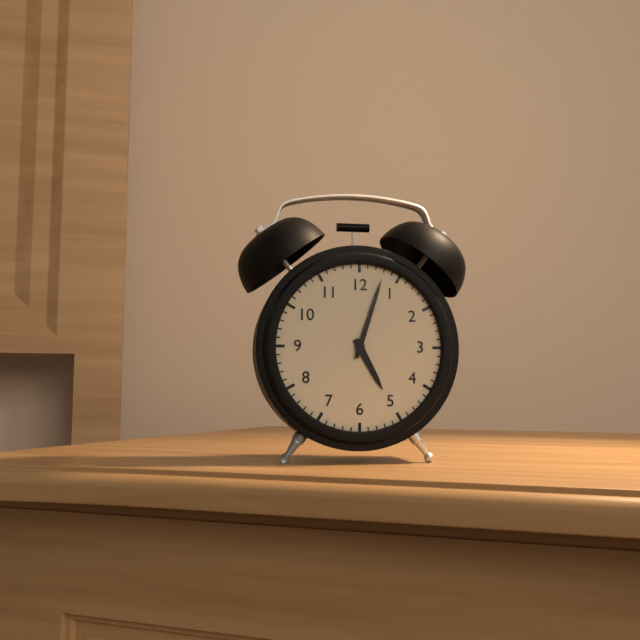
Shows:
{"hour": 5, "minute": 3}
